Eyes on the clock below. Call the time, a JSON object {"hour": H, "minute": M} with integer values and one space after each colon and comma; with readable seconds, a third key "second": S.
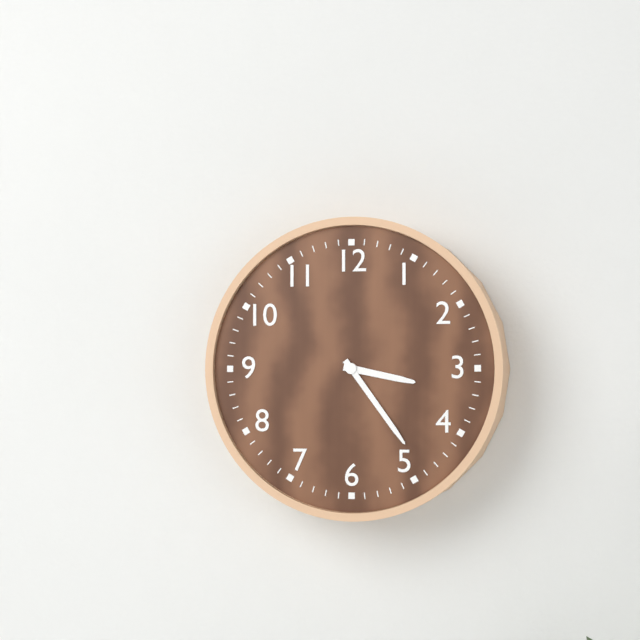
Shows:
{"hour": 3, "minute": 24}
